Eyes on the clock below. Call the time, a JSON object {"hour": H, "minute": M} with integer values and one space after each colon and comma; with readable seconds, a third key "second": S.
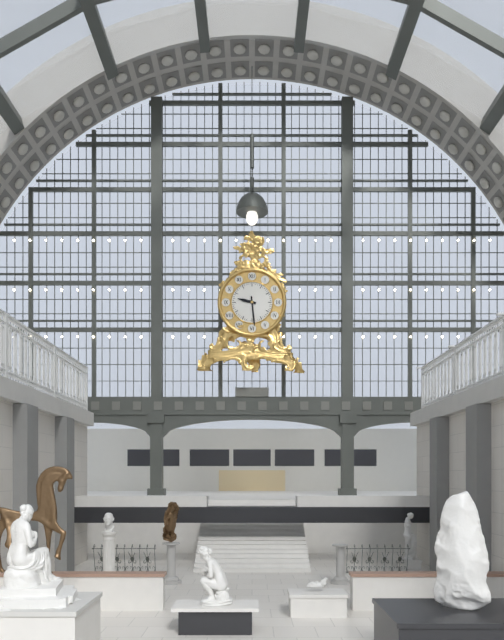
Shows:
{"hour": 9, "minute": 29}
